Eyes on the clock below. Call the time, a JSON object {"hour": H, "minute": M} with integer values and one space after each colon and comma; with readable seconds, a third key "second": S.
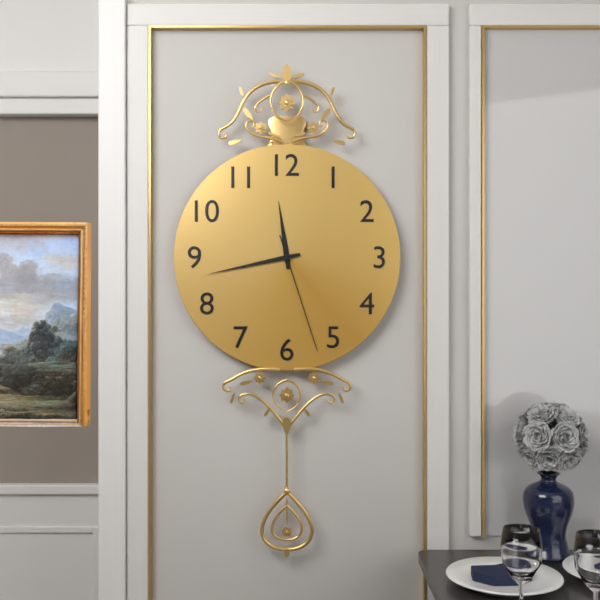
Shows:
{"hour": 11, "minute": 43, "second": 27}
